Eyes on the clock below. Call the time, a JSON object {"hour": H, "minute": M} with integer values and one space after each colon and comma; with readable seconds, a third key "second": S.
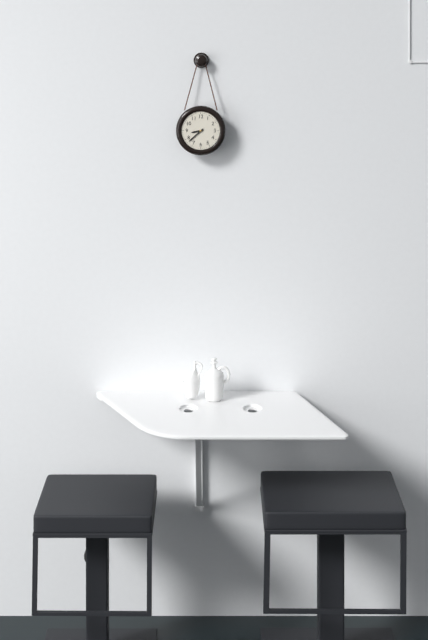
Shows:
{"hour": 8, "minute": 38}
